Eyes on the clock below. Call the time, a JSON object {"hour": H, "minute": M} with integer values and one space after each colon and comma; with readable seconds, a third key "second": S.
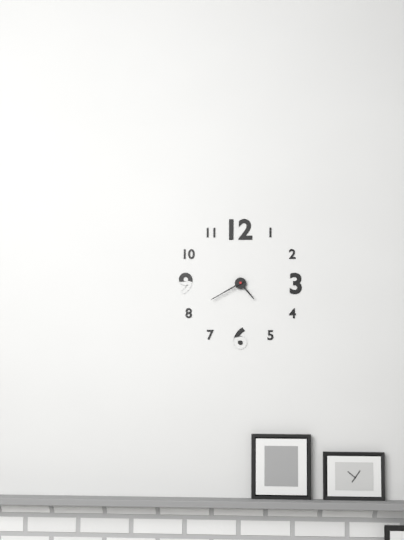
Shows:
{"hour": 4, "minute": 40}
